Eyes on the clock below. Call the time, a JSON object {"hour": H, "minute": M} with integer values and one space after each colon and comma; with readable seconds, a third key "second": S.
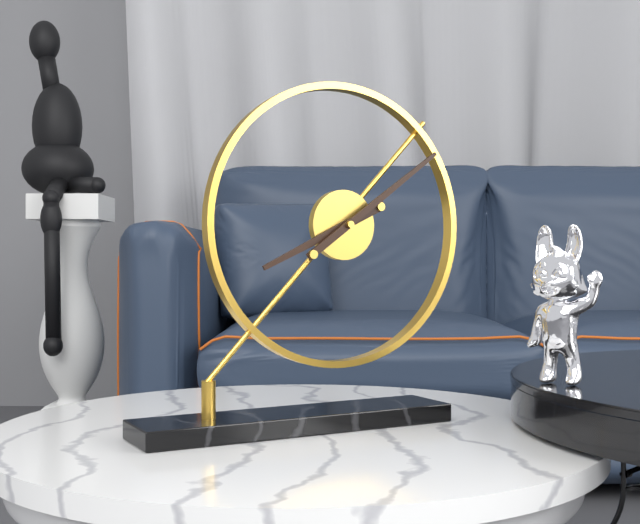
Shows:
{"hour": 8, "minute": 9}
